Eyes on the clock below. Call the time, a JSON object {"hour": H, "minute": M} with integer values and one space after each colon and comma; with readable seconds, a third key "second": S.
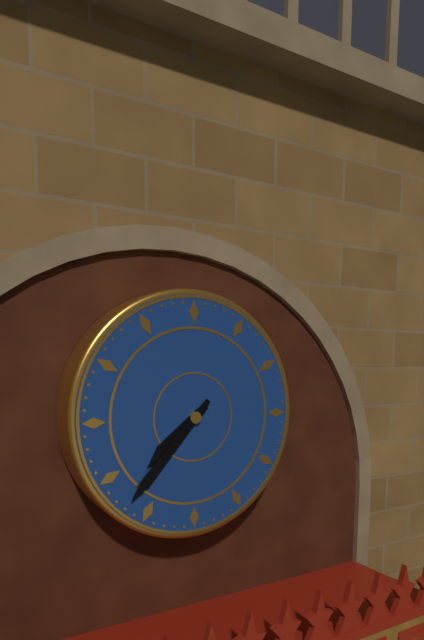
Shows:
{"hour": 7, "minute": 37}
